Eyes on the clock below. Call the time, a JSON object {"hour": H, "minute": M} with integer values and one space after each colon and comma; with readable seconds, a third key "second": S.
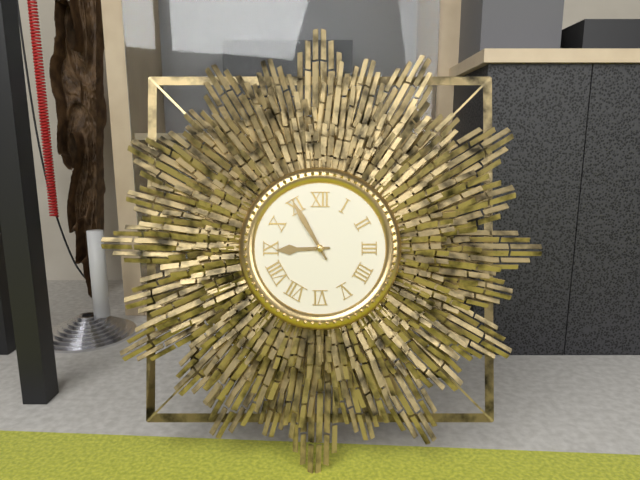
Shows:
{"hour": 8, "minute": 55}
